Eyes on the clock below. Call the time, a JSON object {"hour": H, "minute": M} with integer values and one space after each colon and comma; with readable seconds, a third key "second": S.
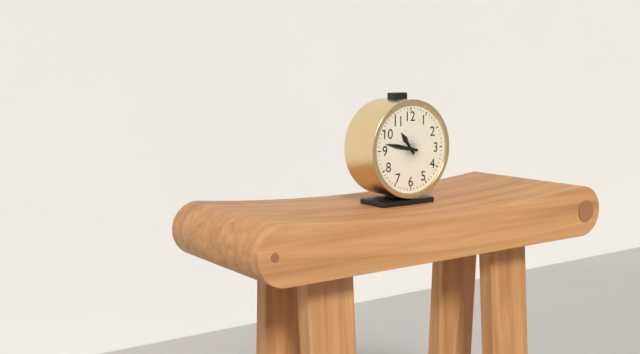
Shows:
{"hour": 10, "minute": 47}
